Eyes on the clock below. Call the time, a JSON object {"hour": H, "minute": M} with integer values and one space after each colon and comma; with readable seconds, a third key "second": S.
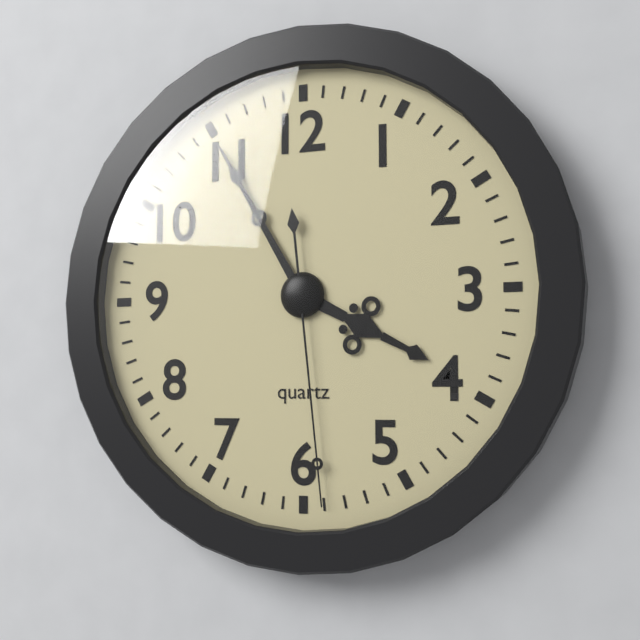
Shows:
{"hour": 3, "minute": 55, "second": 29}
